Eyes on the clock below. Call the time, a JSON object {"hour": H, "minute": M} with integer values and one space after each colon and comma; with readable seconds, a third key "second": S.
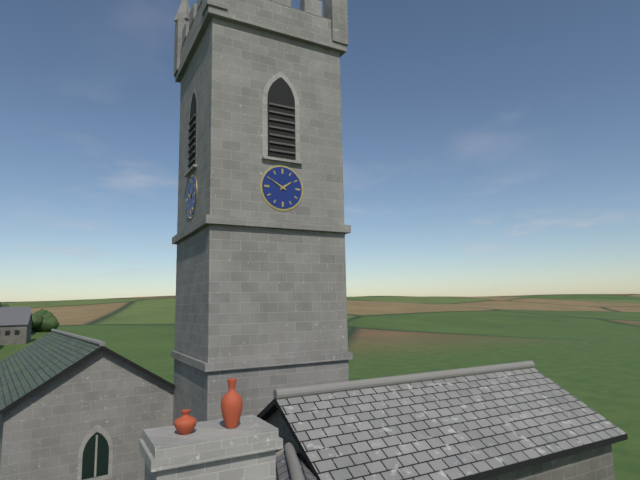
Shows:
{"hour": 1, "minute": 50}
